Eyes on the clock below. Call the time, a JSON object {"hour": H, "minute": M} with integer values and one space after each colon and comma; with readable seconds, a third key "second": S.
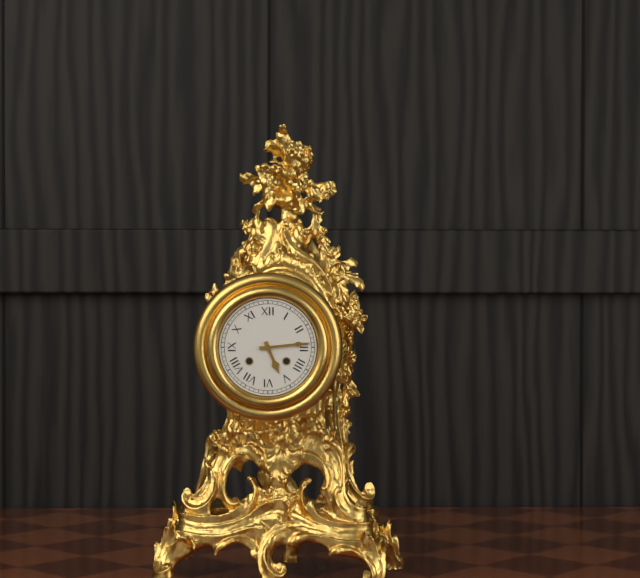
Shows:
{"hour": 5, "minute": 14}
